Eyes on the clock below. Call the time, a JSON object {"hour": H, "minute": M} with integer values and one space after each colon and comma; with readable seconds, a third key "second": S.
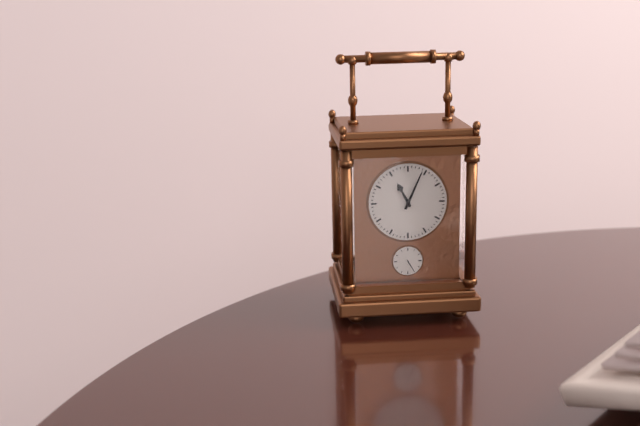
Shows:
{"hour": 11, "minute": 4}
